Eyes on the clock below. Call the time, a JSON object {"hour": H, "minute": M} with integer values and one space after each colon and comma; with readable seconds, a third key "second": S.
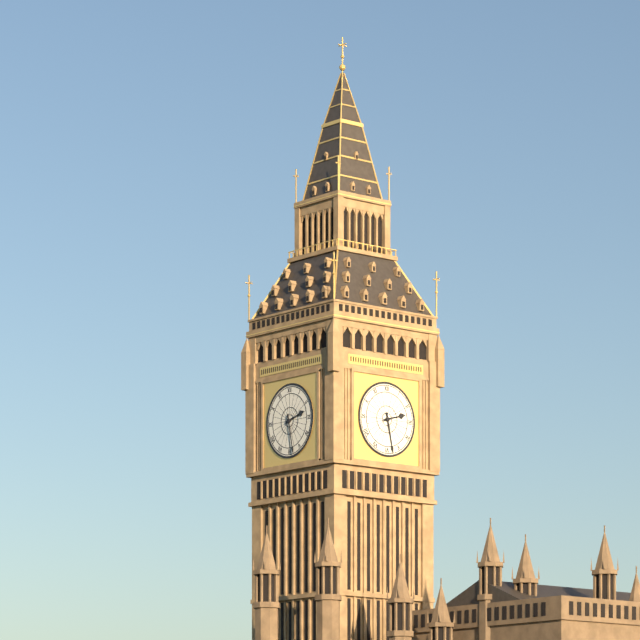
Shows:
{"hour": 2, "minute": 28}
